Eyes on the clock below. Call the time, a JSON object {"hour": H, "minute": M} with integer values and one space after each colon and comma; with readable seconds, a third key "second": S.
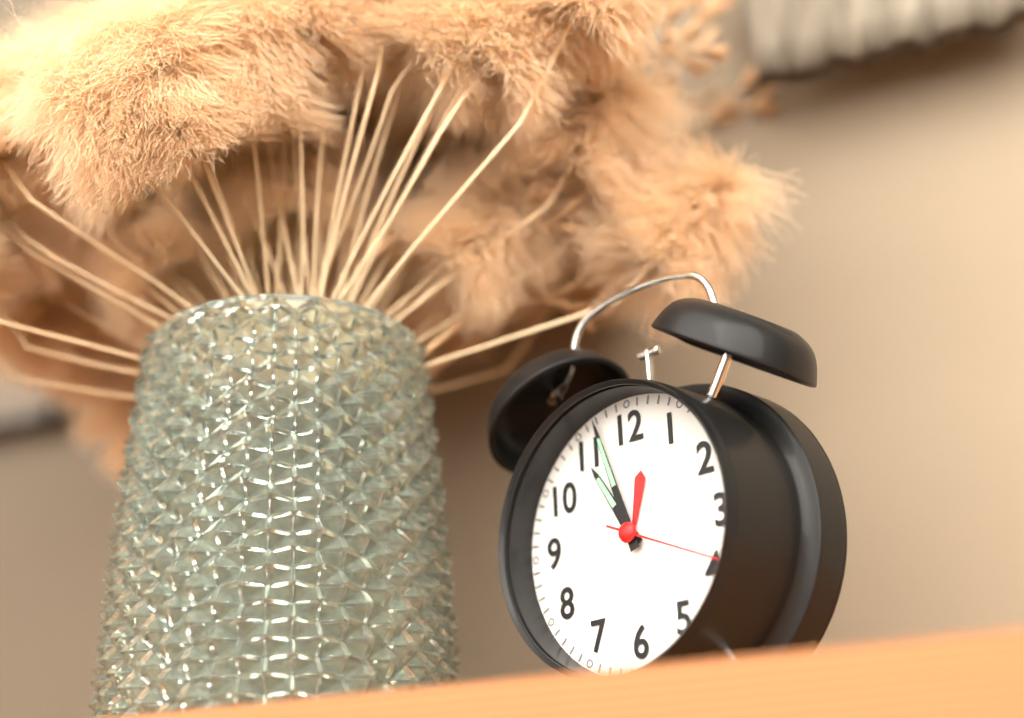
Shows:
{"hour": 10, "minute": 57, "second": 19}
